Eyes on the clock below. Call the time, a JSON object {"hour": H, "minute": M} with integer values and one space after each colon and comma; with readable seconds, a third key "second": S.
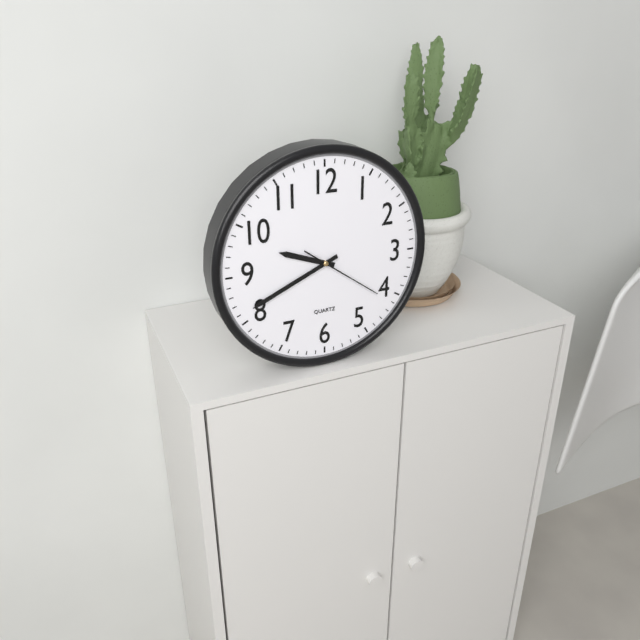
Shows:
{"hour": 9, "minute": 41, "second": 21}
